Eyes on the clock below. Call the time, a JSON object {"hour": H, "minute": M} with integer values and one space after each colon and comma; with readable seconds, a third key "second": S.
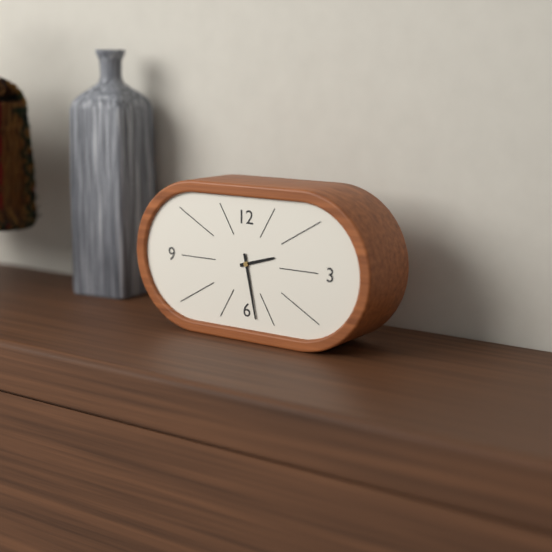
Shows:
{"hour": 2, "minute": 28}
